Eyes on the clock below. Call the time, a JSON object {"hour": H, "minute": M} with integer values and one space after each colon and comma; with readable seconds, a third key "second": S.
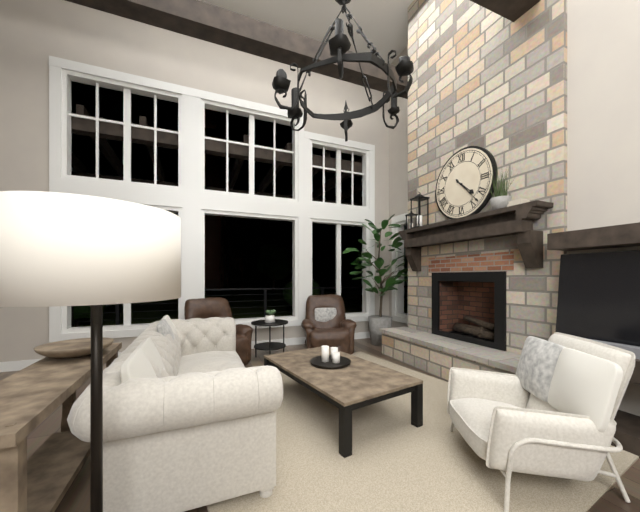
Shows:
{"hour": 4, "minute": 23}
